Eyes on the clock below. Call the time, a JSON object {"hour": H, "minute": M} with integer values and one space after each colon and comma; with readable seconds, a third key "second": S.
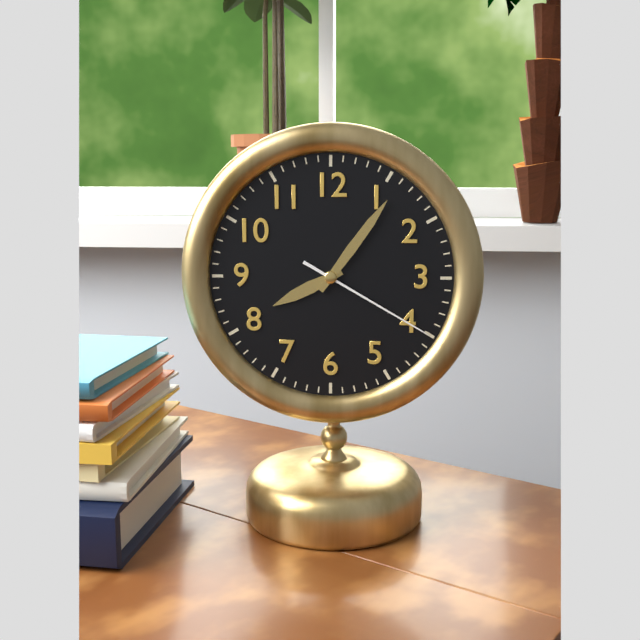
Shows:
{"hour": 8, "minute": 6, "second": 20}
